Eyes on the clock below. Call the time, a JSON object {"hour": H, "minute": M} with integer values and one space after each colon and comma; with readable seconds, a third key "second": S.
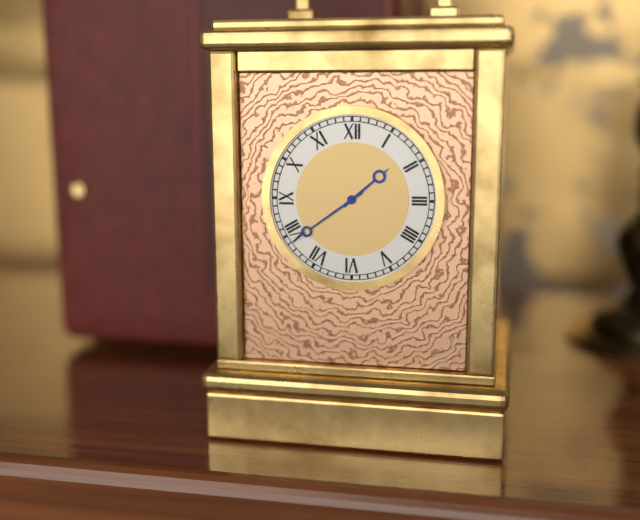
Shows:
{"hour": 1, "minute": 39}
